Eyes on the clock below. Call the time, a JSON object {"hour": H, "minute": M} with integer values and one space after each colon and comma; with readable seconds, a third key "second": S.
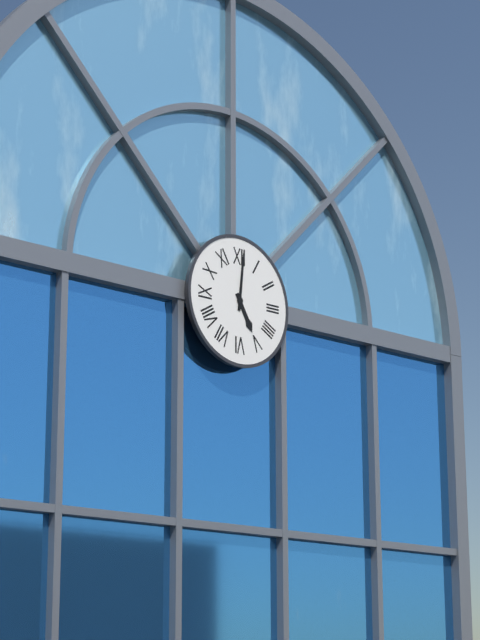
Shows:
{"hour": 5, "minute": 1}
